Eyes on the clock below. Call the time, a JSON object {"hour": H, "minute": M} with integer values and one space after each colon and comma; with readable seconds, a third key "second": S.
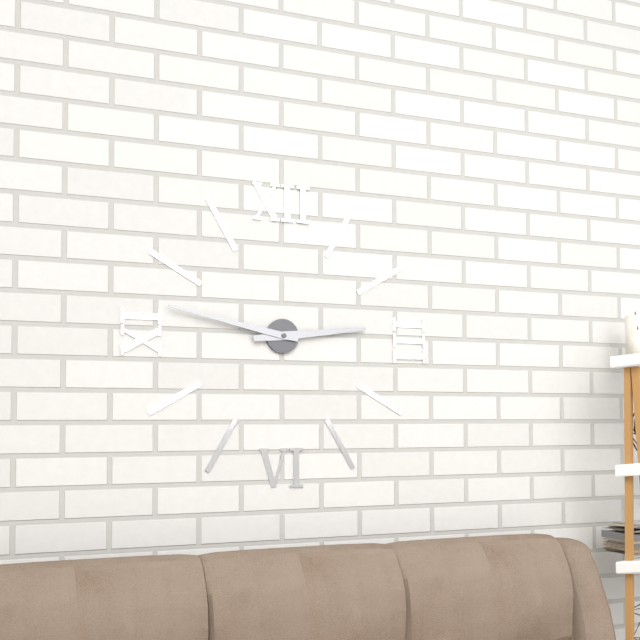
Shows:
{"hour": 2, "minute": 47}
